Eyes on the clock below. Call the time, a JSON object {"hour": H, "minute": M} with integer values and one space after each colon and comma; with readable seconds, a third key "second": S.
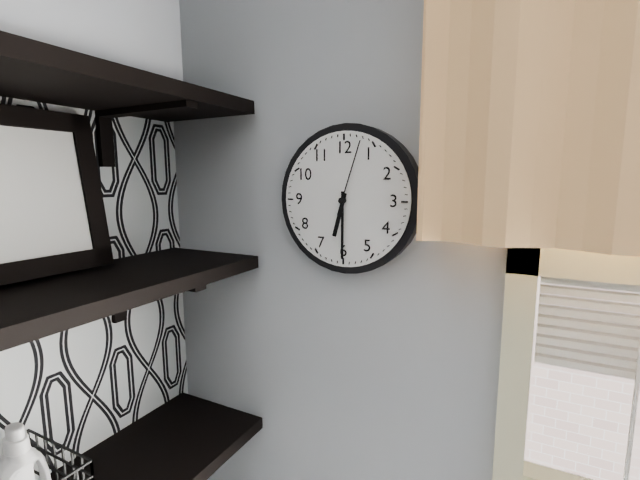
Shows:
{"hour": 6, "minute": 30, "second": 3}
